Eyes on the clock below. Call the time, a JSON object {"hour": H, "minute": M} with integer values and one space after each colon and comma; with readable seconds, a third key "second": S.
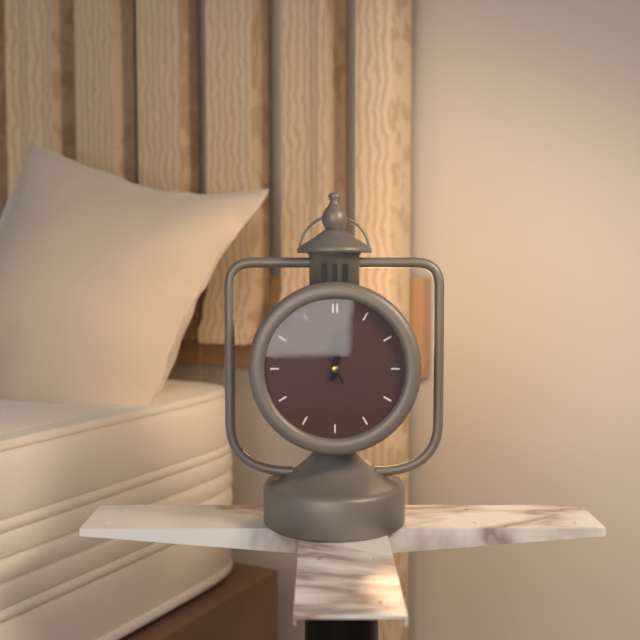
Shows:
{"hour": 12, "minute": 3, "second": 55}
